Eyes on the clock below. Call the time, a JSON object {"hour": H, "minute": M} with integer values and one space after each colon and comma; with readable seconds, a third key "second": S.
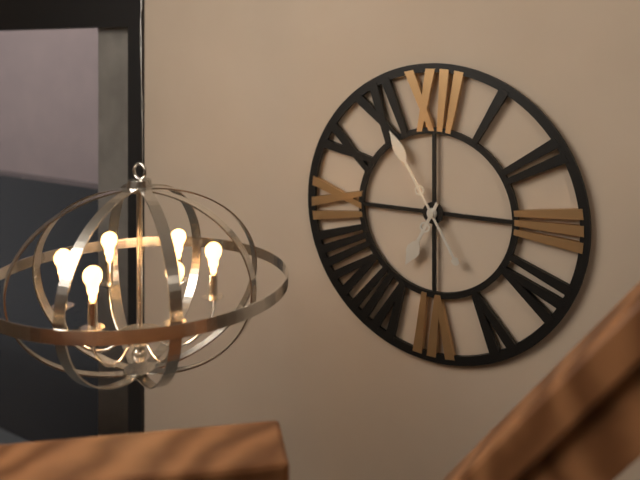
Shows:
{"hour": 6, "minute": 55}
